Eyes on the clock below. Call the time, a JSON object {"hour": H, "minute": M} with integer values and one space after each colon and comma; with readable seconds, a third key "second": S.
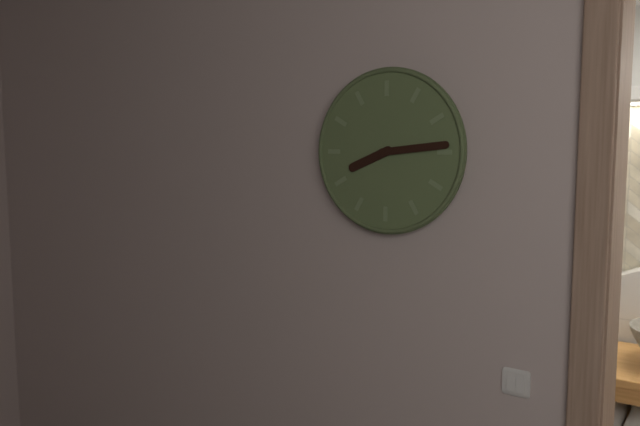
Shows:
{"hour": 8, "minute": 14}
